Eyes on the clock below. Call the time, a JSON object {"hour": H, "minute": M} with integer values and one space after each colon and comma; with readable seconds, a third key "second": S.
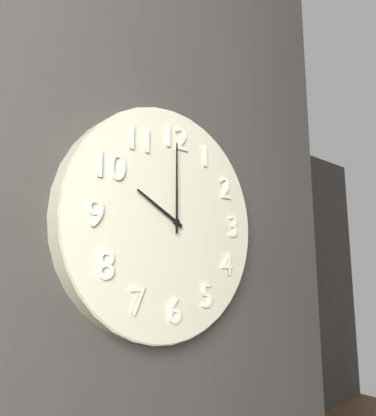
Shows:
{"hour": 10, "minute": 0}
